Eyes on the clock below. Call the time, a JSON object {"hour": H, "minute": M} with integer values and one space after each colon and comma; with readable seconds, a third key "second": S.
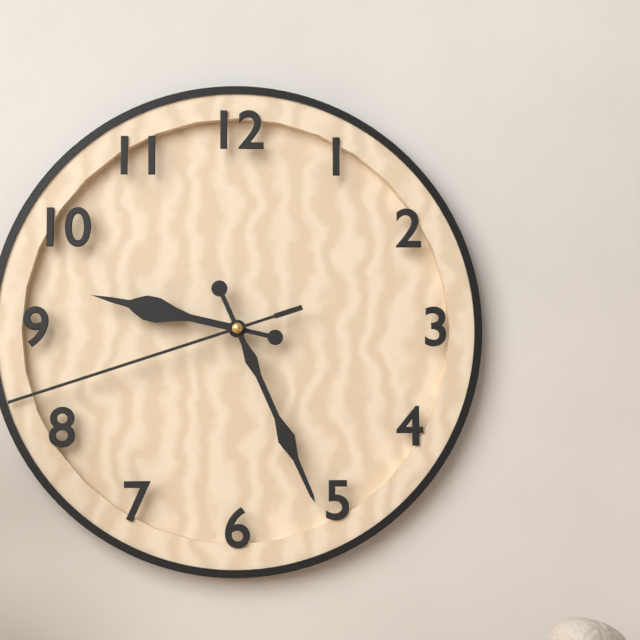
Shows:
{"hour": 9, "minute": 26, "second": 42}
